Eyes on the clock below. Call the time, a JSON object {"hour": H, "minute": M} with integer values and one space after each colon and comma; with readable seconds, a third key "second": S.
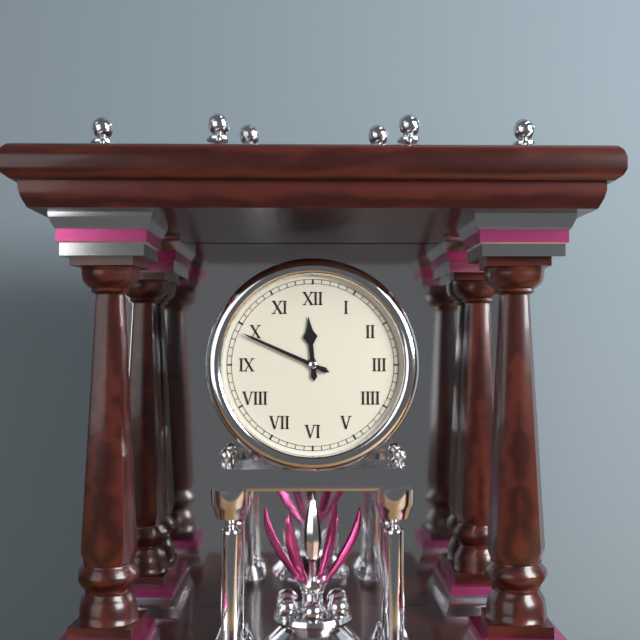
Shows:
{"hour": 11, "minute": 49}
